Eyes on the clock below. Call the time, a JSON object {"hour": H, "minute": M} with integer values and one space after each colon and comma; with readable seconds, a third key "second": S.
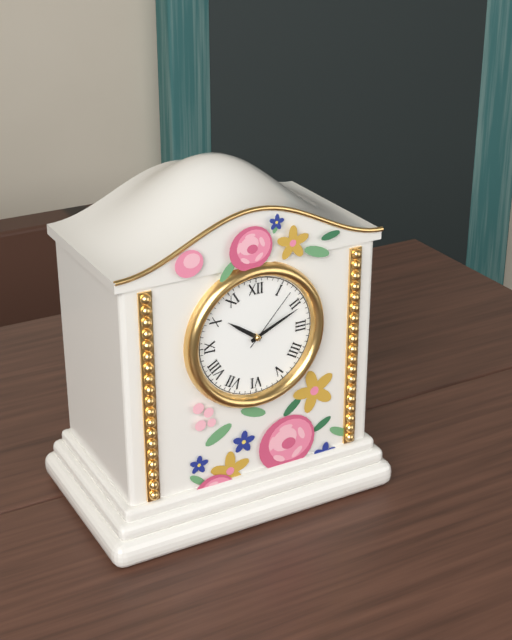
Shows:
{"hour": 10, "minute": 11, "second": 7}
